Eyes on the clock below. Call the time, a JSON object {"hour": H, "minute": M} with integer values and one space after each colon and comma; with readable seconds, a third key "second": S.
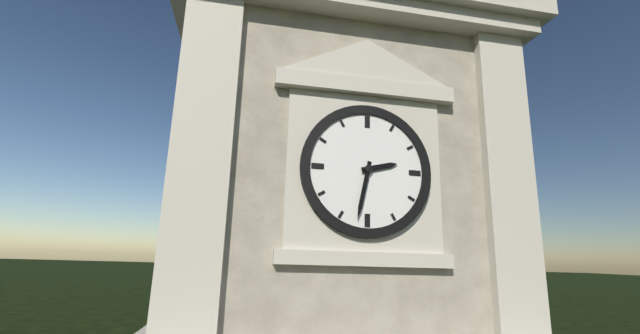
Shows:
{"hour": 2, "minute": 32}
